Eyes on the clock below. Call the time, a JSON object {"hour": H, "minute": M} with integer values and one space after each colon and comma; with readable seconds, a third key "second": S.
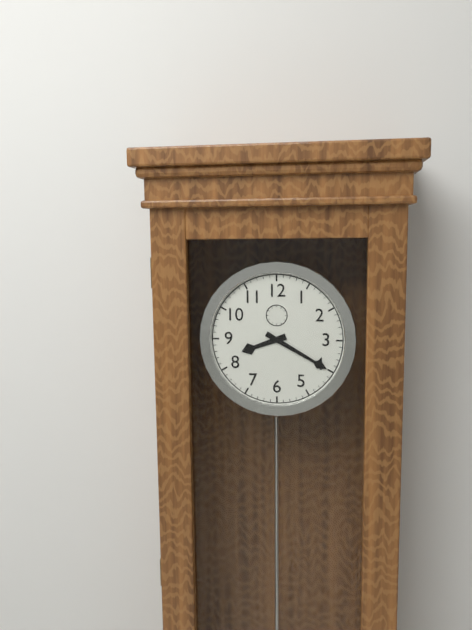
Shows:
{"hour": 8, "minute": 20}
